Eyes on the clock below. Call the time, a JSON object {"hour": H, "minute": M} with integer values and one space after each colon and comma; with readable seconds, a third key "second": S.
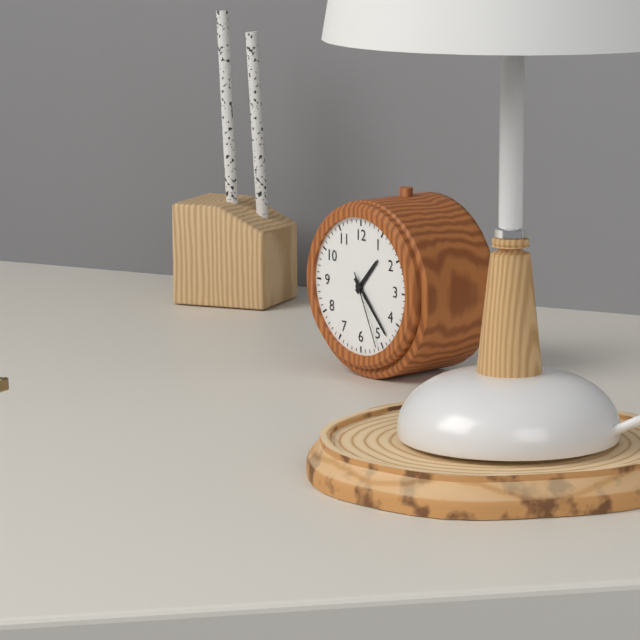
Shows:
{"hour": 1, "minute": 23, "second": 26}
